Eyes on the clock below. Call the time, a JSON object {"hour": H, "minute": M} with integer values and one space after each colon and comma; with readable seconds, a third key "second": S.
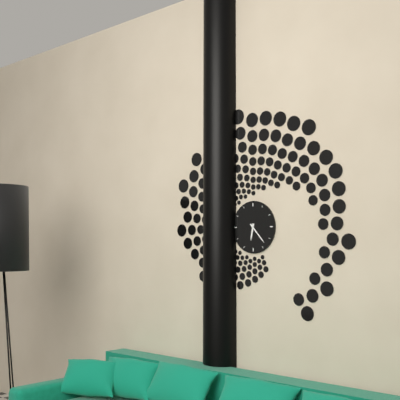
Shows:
{"hour": 6, "minute": 23}
